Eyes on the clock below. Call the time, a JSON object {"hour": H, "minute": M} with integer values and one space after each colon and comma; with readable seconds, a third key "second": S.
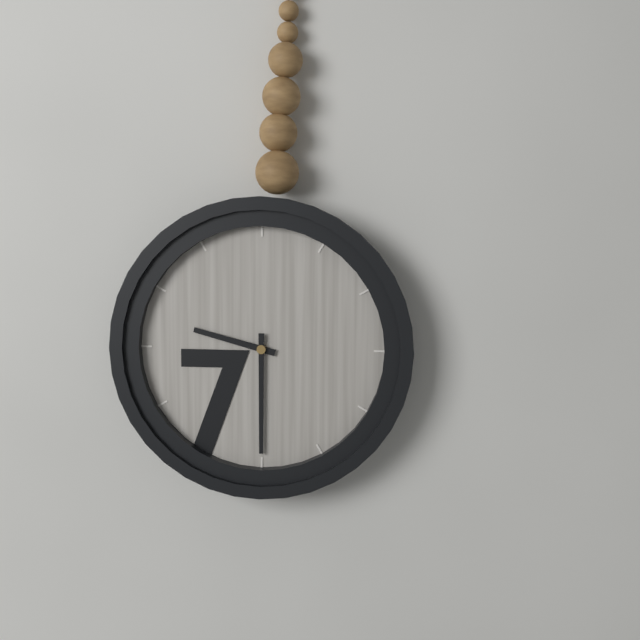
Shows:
{"hour": 9, "minute": 30}
